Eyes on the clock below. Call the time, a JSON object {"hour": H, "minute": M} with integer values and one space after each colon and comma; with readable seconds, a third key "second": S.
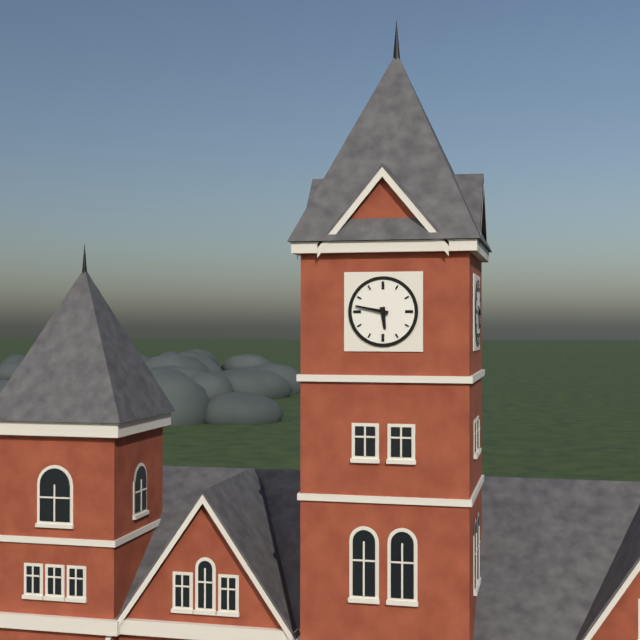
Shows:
{"hour": 5, "minute": 47}
